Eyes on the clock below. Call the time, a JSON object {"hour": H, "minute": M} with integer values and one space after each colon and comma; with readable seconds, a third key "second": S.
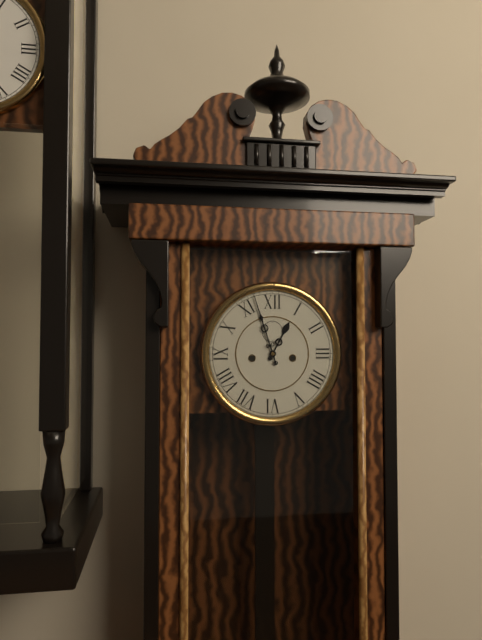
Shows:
{"hour": 12, "minute": 57}
